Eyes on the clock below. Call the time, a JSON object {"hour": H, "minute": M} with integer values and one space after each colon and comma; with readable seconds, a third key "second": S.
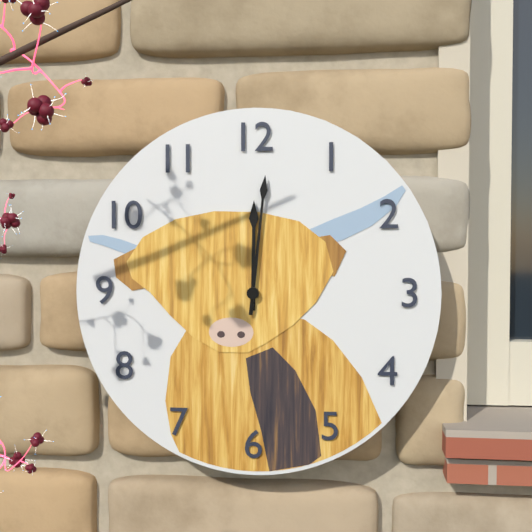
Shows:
{"hour": 12, "minute": 1}
